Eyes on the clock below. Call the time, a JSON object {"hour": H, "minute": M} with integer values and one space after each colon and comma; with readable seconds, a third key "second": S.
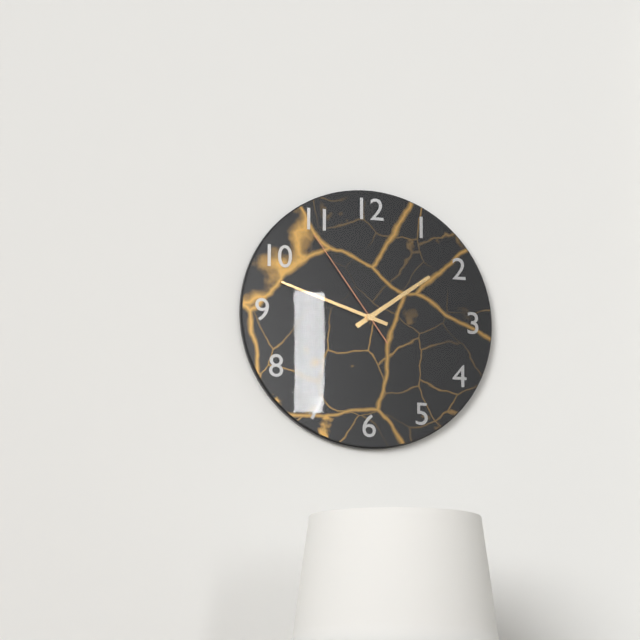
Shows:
{"hour": 1, "minute": 48, "second": 54}
